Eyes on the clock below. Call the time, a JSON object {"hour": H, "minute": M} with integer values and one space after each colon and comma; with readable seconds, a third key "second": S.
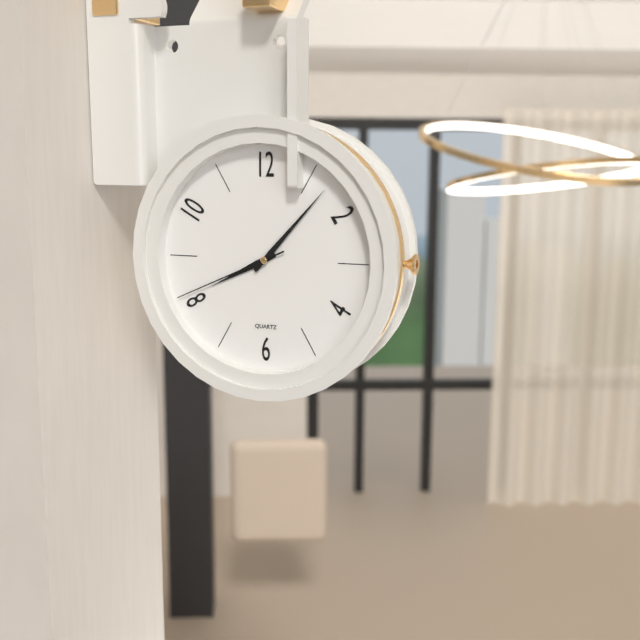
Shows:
{"hour": 8, "minute": 7, "second": 41}
